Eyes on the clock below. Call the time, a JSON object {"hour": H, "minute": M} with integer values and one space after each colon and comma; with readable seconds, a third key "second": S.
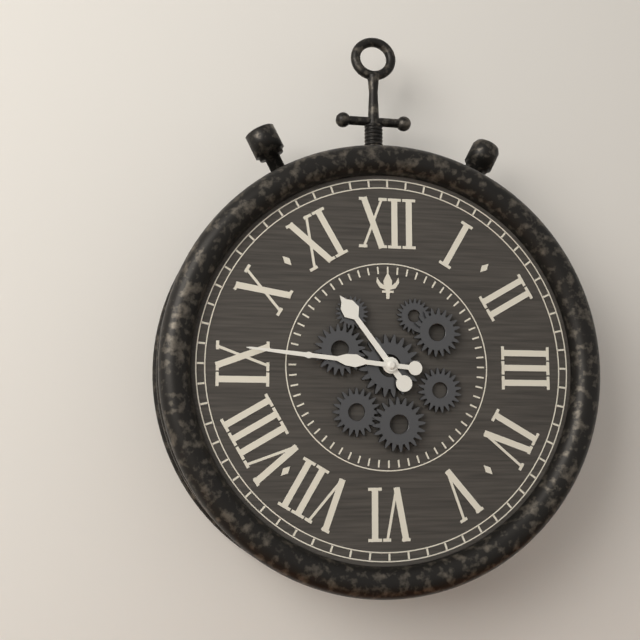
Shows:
{"hour": 10, "minute": 46}
